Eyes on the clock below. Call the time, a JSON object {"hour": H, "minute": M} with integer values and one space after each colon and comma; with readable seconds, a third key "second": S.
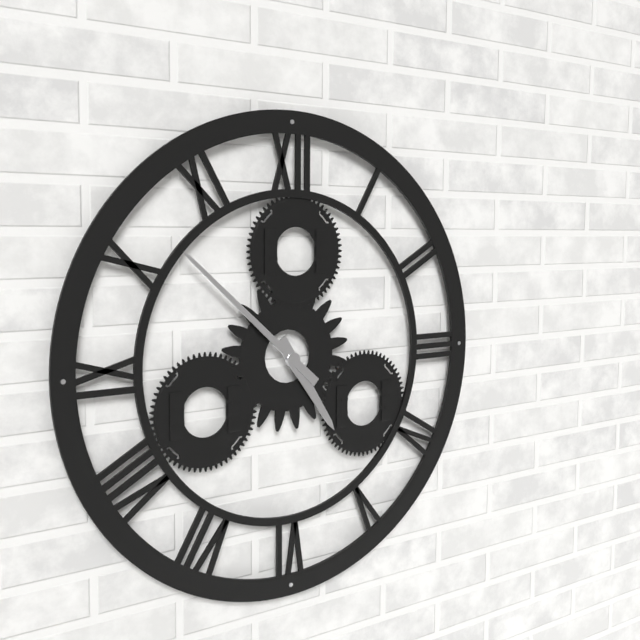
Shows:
{"hour": 4, "minute": 52}
